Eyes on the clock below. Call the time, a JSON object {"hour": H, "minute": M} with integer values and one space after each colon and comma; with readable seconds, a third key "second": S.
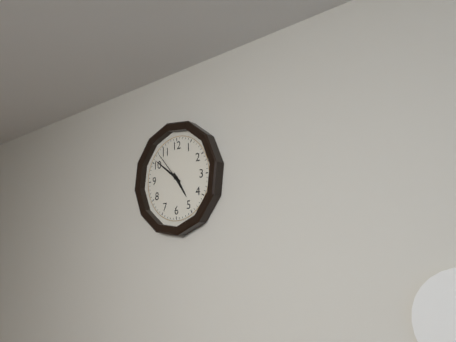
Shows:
{"hour": 4, "minute": 51}
